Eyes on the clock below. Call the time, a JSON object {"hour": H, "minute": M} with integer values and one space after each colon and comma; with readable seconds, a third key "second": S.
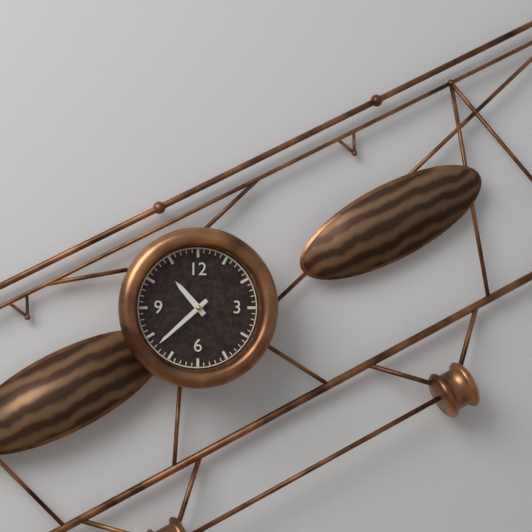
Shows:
{"hour": 10, "minute": 38}
